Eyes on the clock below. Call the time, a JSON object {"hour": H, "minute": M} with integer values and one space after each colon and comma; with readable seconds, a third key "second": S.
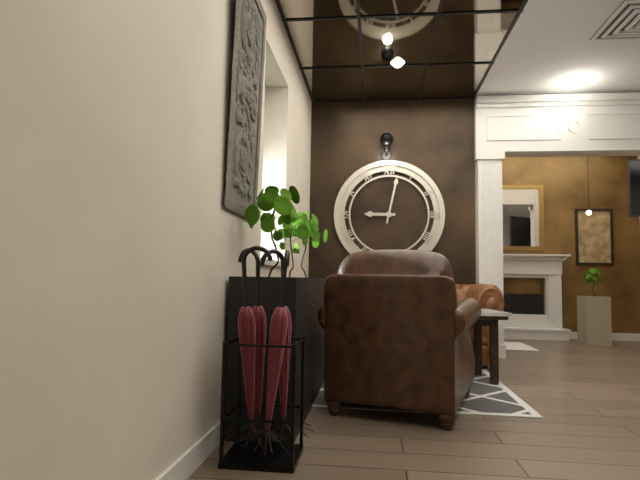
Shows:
{"hour": 9, "minute": 2}
